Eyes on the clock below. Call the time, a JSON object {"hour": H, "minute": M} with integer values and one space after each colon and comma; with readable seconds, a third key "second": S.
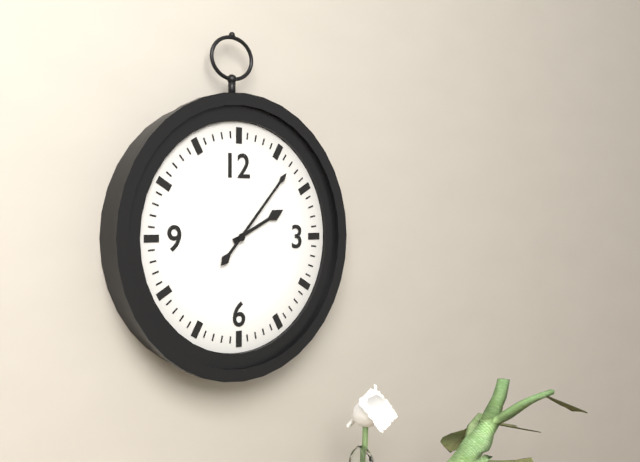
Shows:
{"hour": 2, "minute": 7}
